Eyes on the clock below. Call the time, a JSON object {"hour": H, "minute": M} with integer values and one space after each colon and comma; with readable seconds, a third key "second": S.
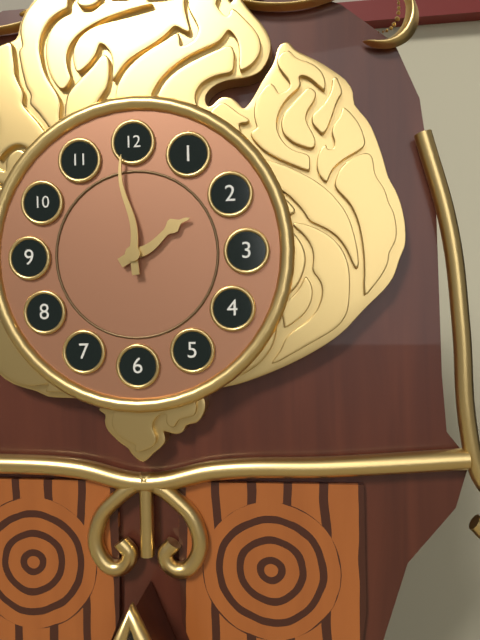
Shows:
{"hour": 1, "minute": 59}
